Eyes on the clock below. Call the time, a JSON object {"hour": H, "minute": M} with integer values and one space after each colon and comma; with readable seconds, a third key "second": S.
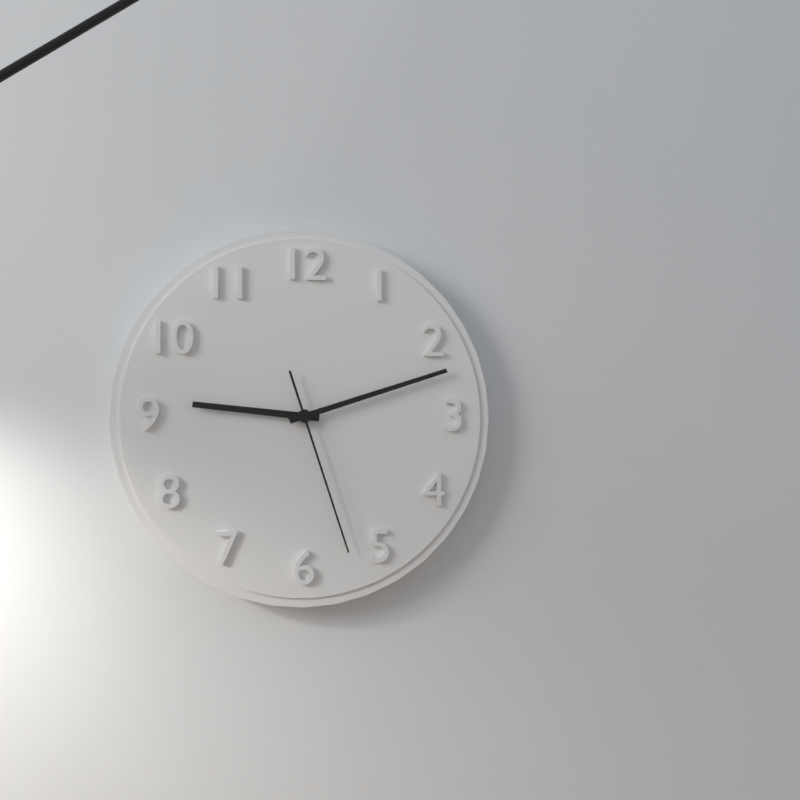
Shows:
{"hour": 9, "minute": 12, "second": 27}
